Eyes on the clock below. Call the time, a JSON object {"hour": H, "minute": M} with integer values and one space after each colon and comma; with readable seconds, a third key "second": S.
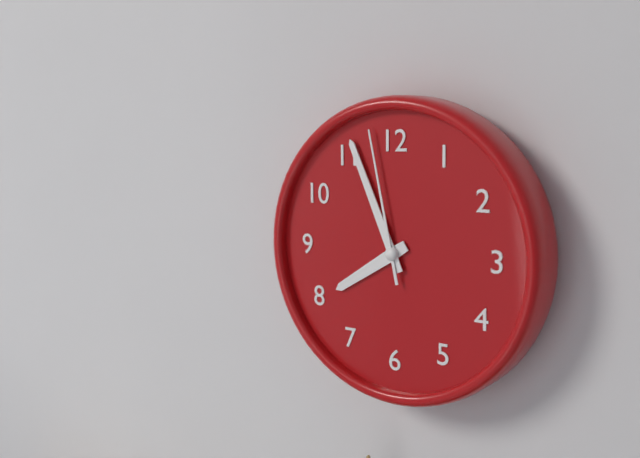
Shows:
{"hour": 7, "minute": 56, "second": 58}
